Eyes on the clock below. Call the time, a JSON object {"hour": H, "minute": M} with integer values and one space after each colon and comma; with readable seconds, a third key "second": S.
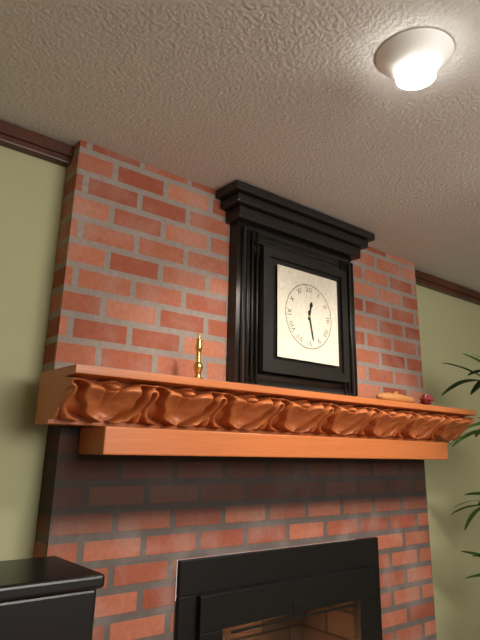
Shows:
{"hour": 12, "minute": 28}
